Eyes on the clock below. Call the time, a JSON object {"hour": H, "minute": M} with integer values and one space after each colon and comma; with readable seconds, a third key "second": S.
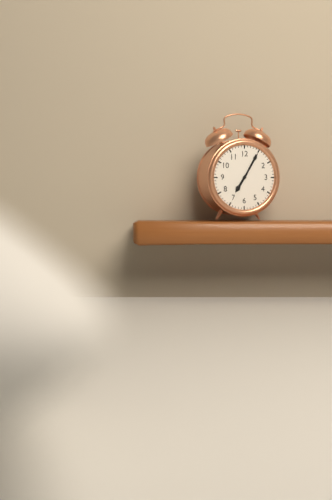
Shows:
{"hour": 7, "minute": 5}
